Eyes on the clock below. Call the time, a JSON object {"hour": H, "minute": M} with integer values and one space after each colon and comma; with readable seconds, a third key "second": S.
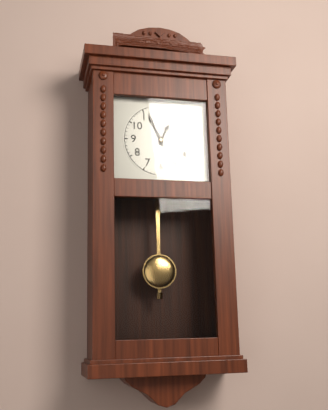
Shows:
{"hour": 12, "minute": 56}
